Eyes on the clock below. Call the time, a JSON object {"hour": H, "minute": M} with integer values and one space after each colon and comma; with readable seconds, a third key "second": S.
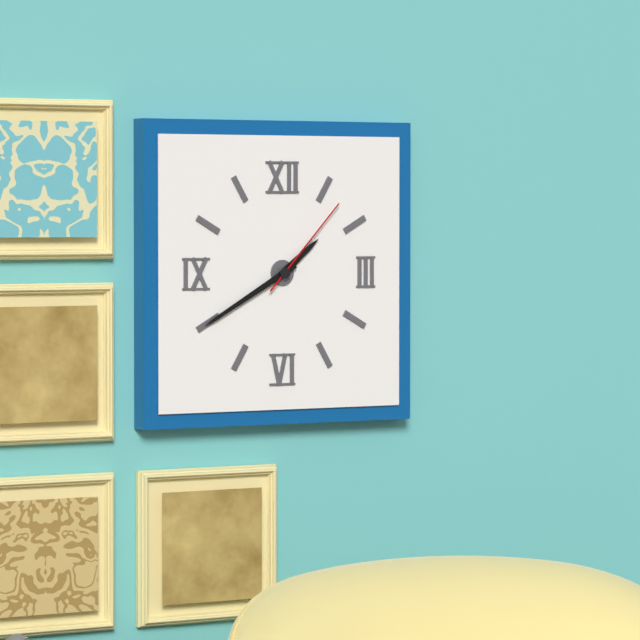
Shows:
{"hour": 1, "minute": 40, "second": 7}
